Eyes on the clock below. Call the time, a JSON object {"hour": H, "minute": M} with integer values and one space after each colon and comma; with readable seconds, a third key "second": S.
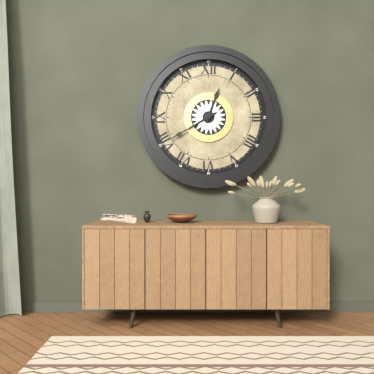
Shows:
{"hour": 12, "minute": 40}
